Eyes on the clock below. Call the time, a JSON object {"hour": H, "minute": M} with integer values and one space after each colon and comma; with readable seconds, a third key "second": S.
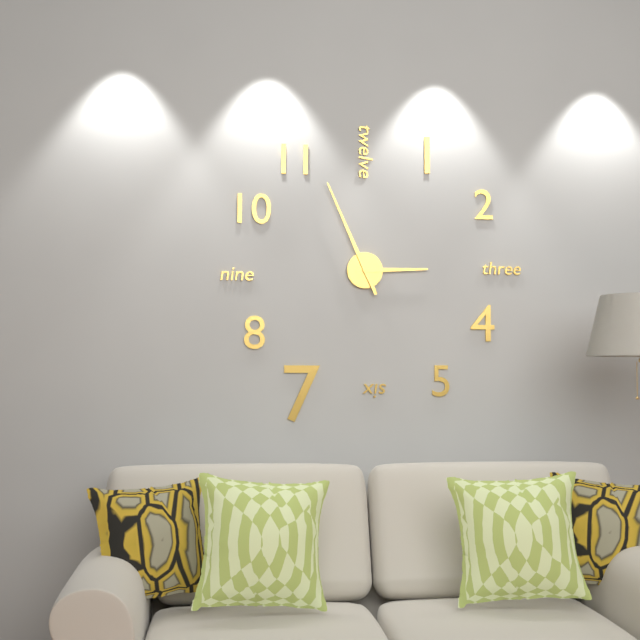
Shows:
{"hour": 2, "minute": 56}
